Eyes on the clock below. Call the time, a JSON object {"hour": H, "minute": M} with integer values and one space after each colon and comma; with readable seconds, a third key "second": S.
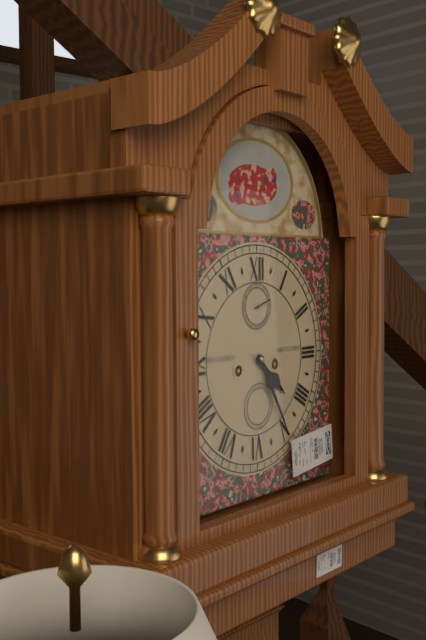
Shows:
{"hour": 4, "minute": 25}
